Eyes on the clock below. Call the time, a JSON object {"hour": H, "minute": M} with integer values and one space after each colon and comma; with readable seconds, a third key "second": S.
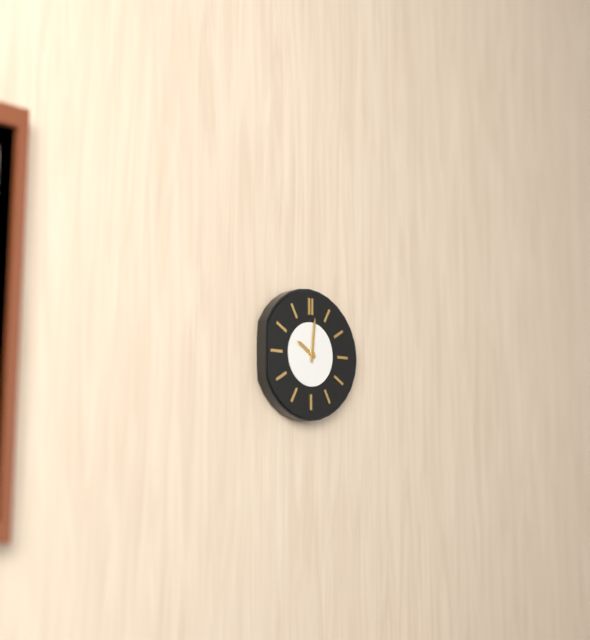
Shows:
{"hour": 10, "minute": 1}
